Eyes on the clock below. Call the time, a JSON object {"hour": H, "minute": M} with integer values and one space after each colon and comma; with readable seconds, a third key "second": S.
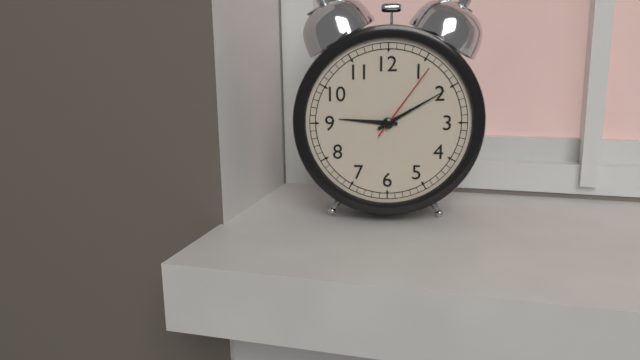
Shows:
{"hour": 9, "minute": 10, "second": 6}
